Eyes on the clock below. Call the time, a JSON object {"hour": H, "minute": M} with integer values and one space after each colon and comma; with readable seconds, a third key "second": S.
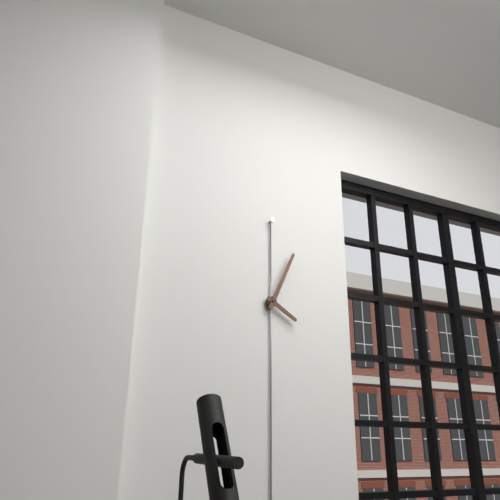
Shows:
{"hour": 4, "minute": 4}
